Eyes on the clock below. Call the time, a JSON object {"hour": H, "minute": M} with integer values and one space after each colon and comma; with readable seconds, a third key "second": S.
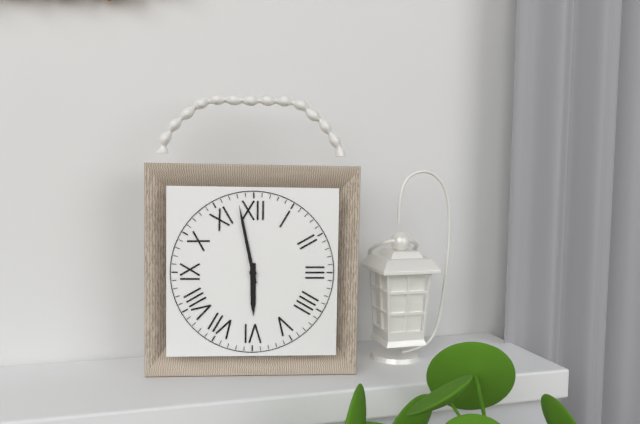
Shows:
{"hour": 5, "minute": 58}
